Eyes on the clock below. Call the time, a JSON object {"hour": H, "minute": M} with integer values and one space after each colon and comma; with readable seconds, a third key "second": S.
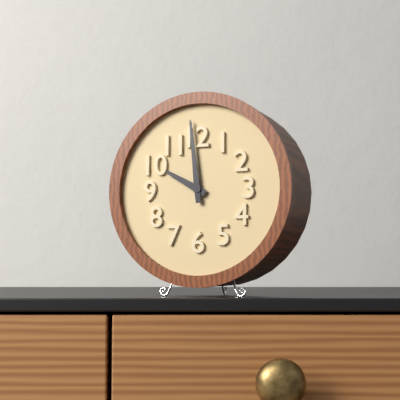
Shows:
{"hour": 9, "minute": 59}
